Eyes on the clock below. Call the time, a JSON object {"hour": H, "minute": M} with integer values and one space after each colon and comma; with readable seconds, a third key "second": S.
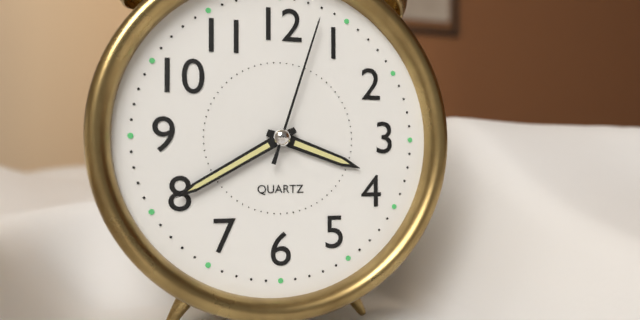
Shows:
{"hour": 3, "minute": 40, "second": 3}
